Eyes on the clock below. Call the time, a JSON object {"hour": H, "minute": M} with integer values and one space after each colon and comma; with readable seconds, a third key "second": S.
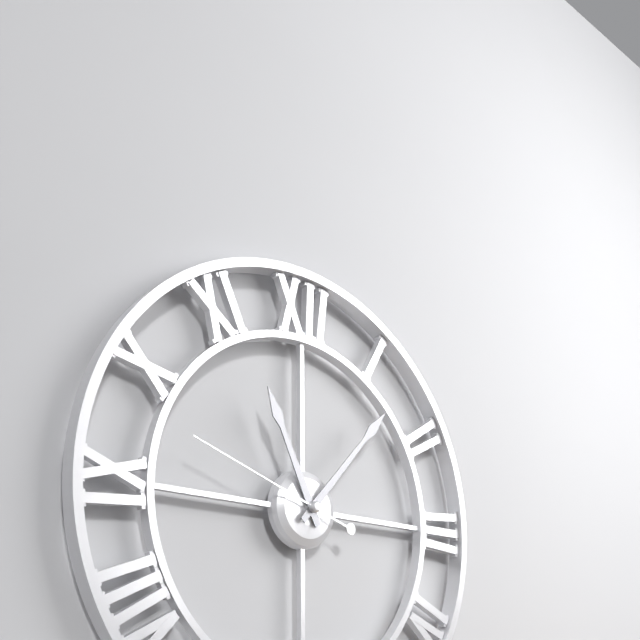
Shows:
{"hour": 11, "minute": 7, "second": 48}
